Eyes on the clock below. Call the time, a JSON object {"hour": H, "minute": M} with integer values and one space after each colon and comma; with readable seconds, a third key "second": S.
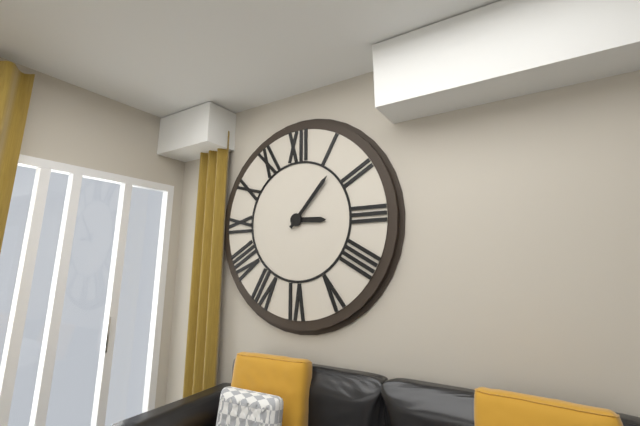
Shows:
{"hour": 3, "minute": 7}
